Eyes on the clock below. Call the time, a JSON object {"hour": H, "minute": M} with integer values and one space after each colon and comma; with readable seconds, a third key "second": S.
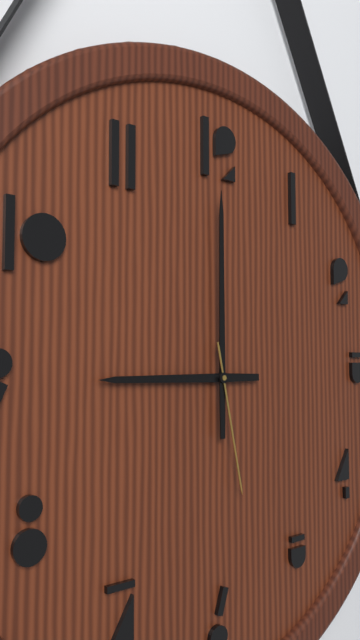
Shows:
{"hour": 9, "minute": 0, "second": 28}
